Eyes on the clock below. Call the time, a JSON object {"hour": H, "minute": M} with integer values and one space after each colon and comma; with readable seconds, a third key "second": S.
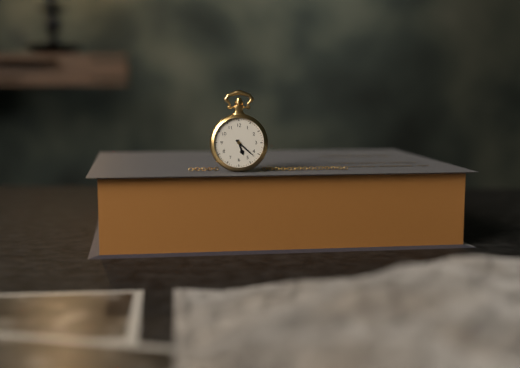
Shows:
{"hour": 5, "minute": 22}
